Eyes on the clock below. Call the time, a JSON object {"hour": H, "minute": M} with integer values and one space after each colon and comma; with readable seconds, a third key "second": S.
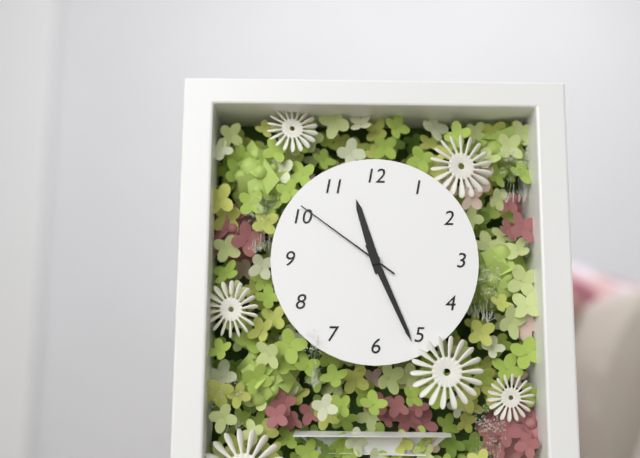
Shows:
{"hour": 11, "minute": 26, "second": 51}
